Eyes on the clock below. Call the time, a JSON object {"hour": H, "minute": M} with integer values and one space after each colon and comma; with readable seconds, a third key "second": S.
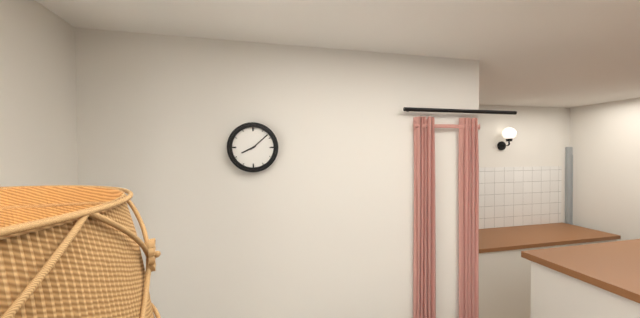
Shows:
{"hour": 8, "minute": 8}
